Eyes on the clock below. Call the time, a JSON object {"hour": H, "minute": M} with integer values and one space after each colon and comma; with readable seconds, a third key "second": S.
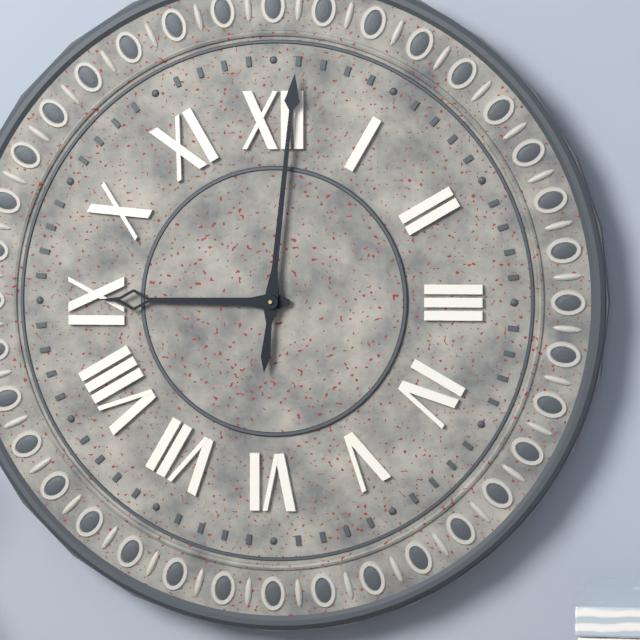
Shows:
{"hour": 9, "minute": 1}
